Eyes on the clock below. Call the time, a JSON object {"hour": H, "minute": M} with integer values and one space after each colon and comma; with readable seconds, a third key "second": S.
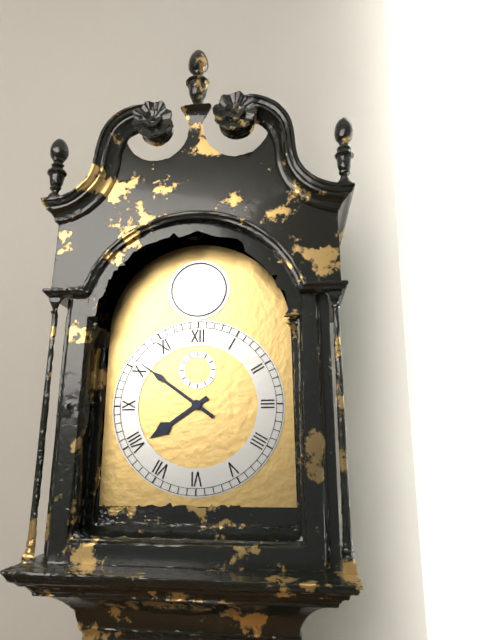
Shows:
{"hour": 7, "minute": 51}
